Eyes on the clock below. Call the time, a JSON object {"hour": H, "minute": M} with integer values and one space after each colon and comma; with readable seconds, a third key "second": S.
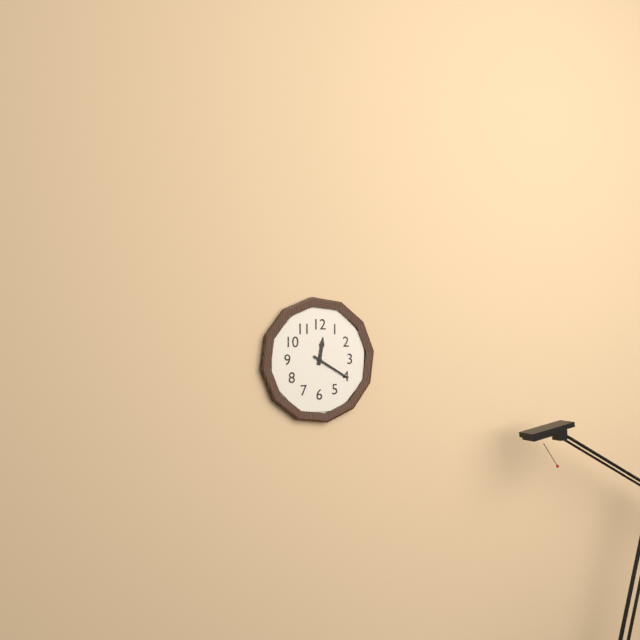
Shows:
{"hour": 12, "minute": 20}
